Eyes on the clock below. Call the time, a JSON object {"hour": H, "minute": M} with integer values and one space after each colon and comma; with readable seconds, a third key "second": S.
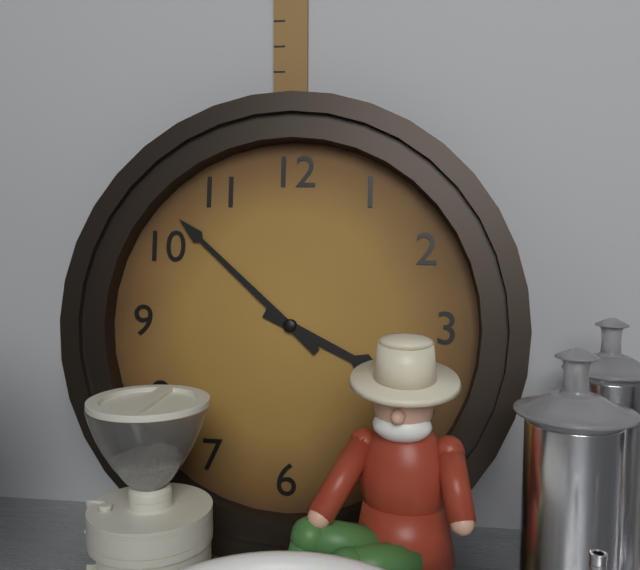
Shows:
{"hour": 3, "minute": 52}
